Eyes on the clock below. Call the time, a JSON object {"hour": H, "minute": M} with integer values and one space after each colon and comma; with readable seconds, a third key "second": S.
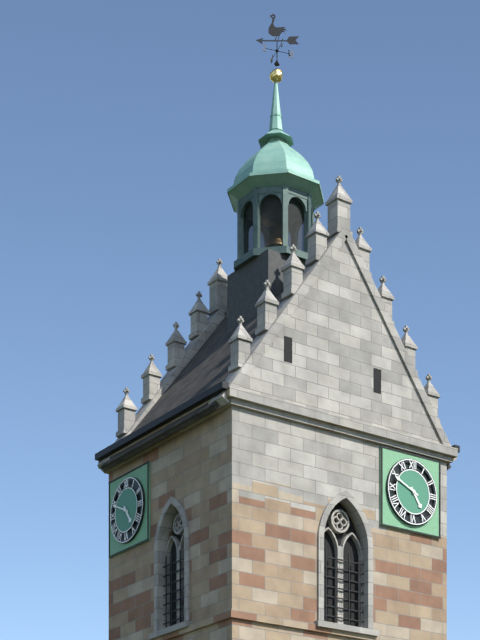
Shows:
{"hour": 4, "minute": 49}
